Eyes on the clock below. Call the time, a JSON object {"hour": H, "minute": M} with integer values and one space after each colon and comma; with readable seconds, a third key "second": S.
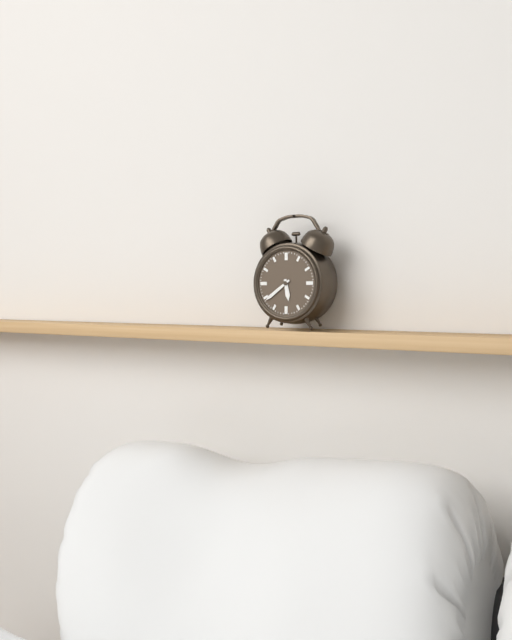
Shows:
{"hour": 5, "minute": 39}
